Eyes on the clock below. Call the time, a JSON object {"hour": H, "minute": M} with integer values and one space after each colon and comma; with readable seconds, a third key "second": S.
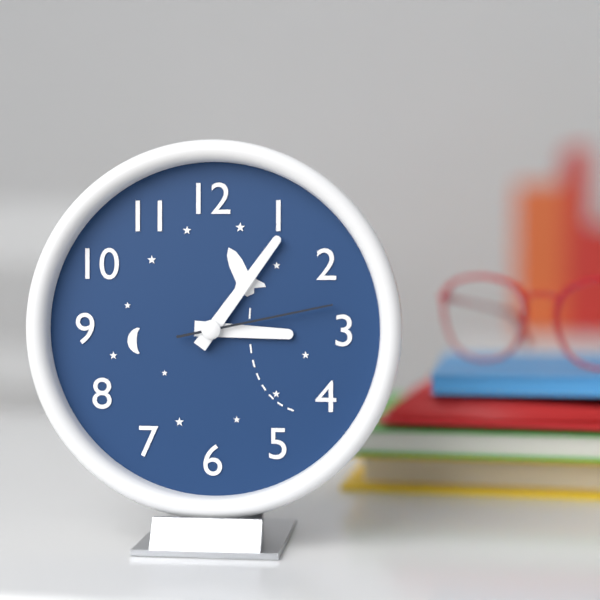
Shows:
{"hour": 3, "minute": 6, "second": 13}
